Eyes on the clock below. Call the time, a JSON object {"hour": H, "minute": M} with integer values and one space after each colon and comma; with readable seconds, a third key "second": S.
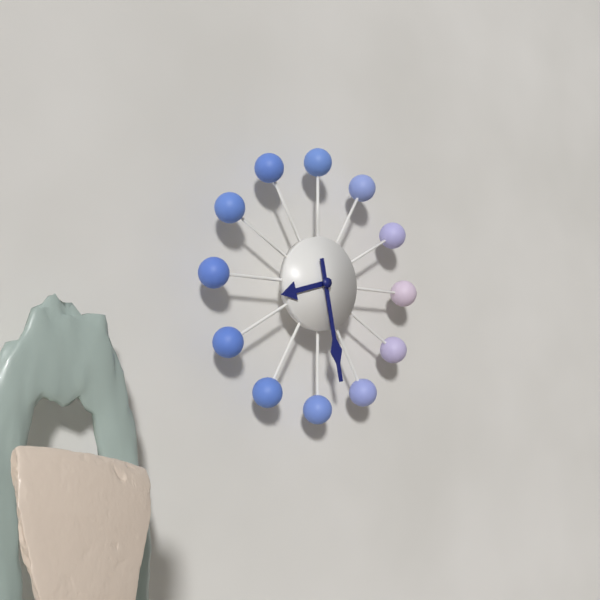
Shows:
{"hour": 8, "minute": 28}
